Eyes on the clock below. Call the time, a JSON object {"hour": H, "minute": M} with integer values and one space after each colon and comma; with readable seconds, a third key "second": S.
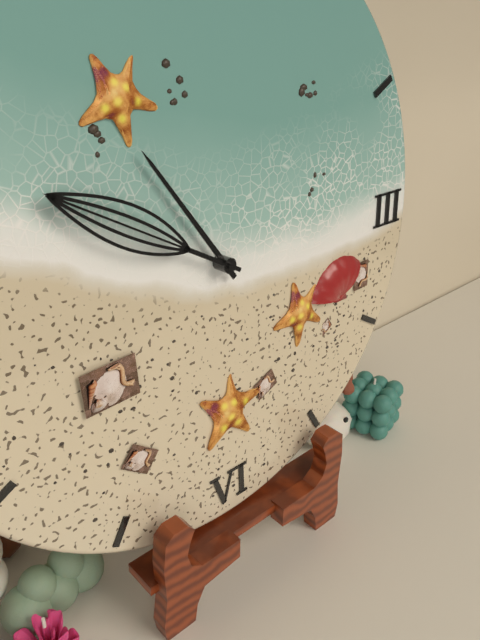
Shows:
{"hour": 10, "minute": 50}
